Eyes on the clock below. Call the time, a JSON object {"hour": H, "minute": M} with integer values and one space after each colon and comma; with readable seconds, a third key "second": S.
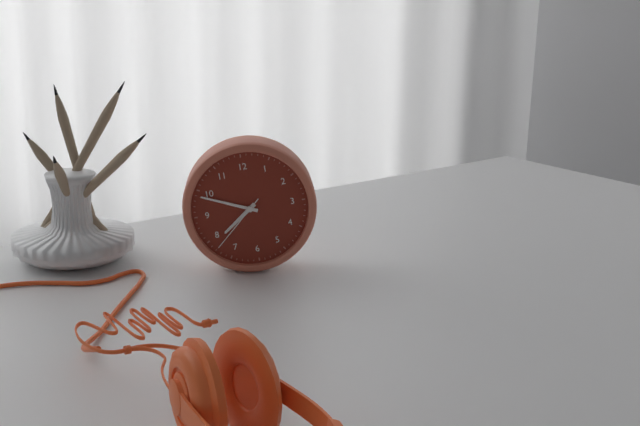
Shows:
{"hour": 7, "minute": 49, "second": 38}
